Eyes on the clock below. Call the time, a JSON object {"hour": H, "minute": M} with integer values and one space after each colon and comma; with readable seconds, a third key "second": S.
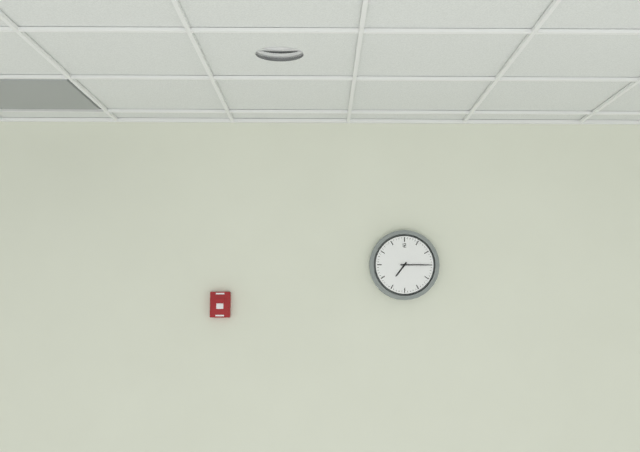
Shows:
{"hour": 7, "minute": 15}
